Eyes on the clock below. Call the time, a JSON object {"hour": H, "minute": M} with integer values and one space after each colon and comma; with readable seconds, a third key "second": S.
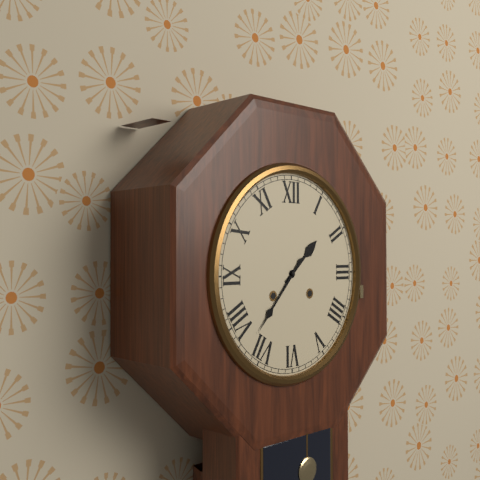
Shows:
{"hour": 1, "minute": 37}
